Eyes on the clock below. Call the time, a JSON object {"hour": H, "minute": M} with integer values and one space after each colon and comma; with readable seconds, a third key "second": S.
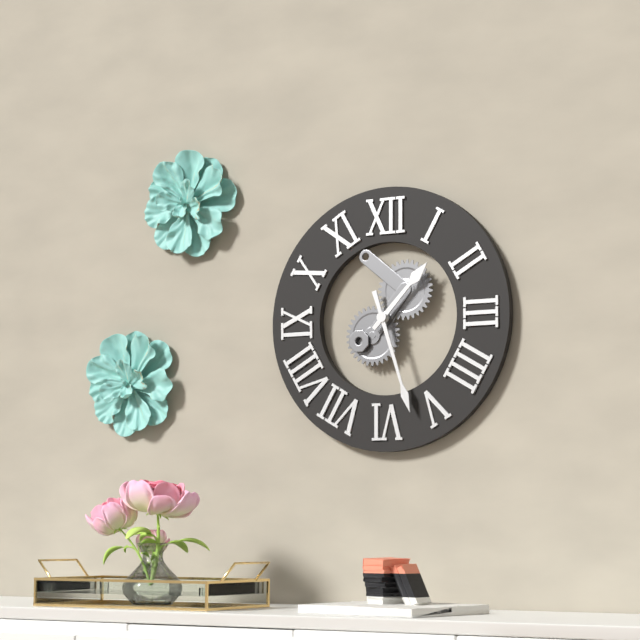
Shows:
{"hour": 1, "minute": 27}
